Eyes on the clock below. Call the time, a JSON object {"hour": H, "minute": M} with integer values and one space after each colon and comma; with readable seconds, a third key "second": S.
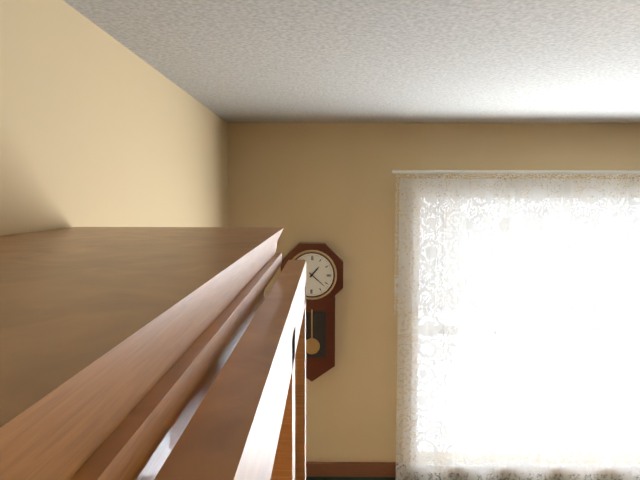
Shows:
{"hour": 1, "minute": 22}
